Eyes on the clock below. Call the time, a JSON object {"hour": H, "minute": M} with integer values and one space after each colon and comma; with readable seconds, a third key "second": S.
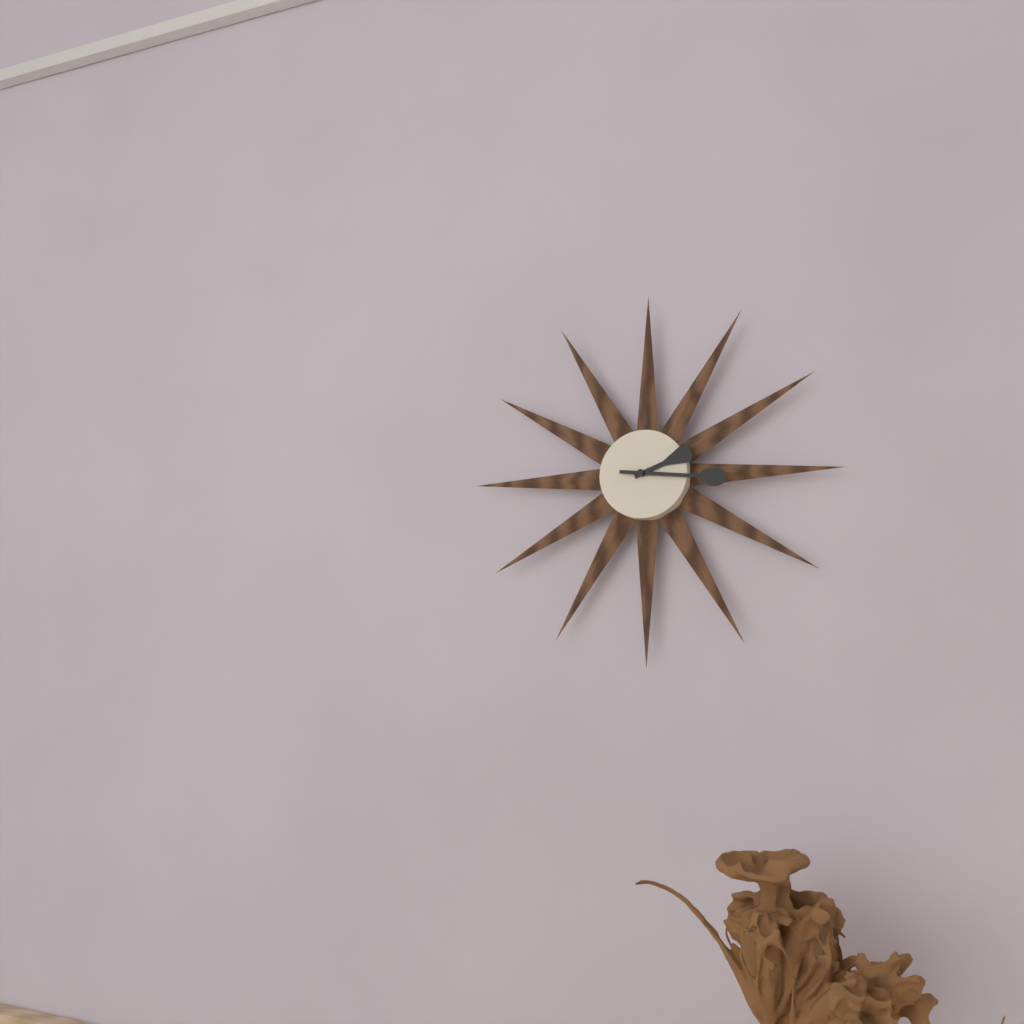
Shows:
{"hour": 2, "minute": 16}
